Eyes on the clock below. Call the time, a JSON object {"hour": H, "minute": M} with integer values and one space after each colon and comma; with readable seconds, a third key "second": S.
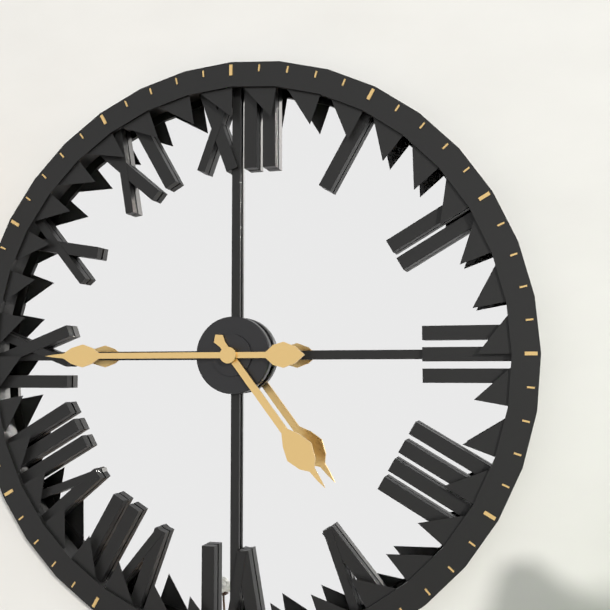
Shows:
{"hour": 4, "minute": 45}
